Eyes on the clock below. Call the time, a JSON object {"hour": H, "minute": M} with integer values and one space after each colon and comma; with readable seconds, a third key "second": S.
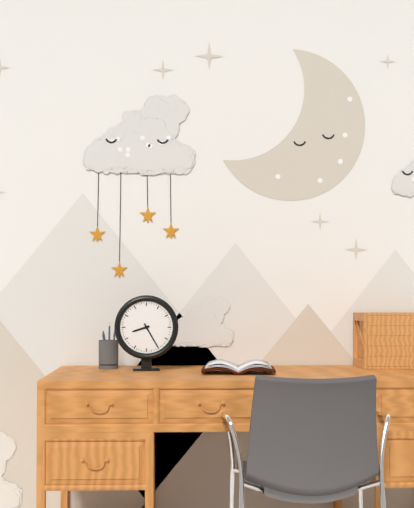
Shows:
{"hour": 8, "minute": 25}
